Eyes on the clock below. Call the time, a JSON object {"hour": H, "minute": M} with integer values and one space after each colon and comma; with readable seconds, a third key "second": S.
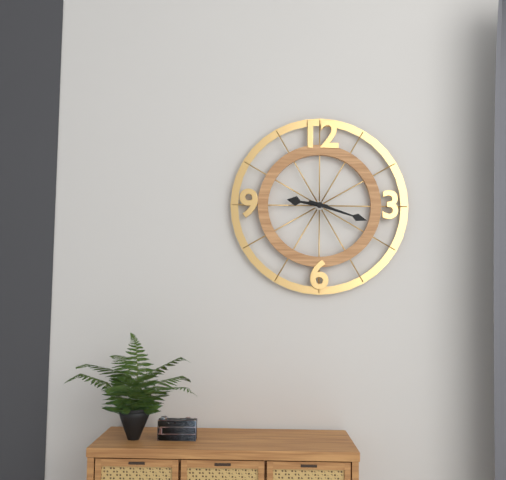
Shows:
{"hour": 9, "minute": 18}
